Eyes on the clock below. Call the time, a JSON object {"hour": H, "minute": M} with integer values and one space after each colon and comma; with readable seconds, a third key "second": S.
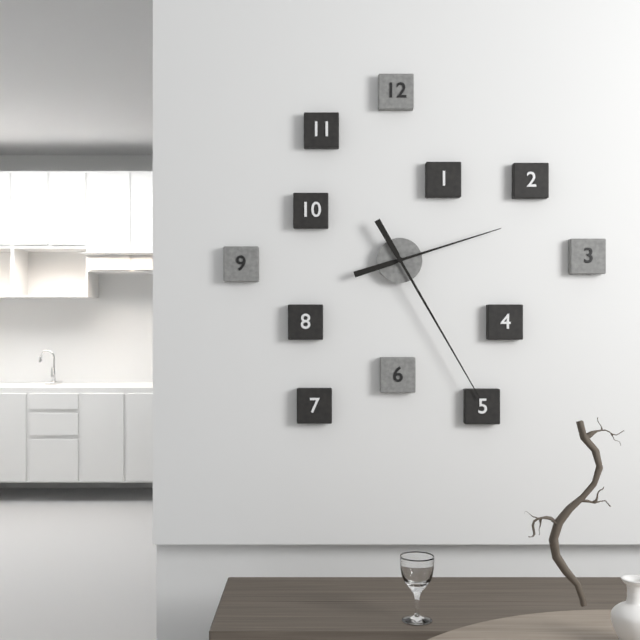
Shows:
{"hour": 2, "minute": 25}
